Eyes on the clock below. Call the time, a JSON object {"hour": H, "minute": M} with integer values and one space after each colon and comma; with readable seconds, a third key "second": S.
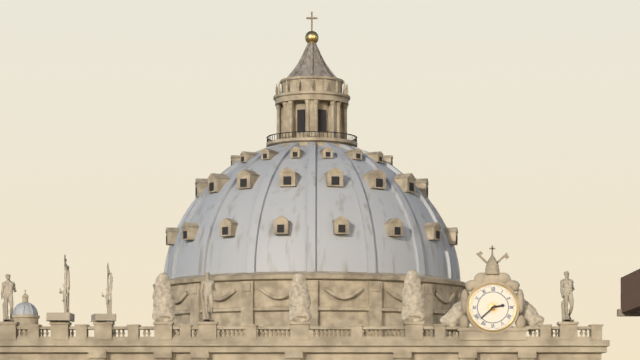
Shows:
{"hour": 2, "minute": 38}
